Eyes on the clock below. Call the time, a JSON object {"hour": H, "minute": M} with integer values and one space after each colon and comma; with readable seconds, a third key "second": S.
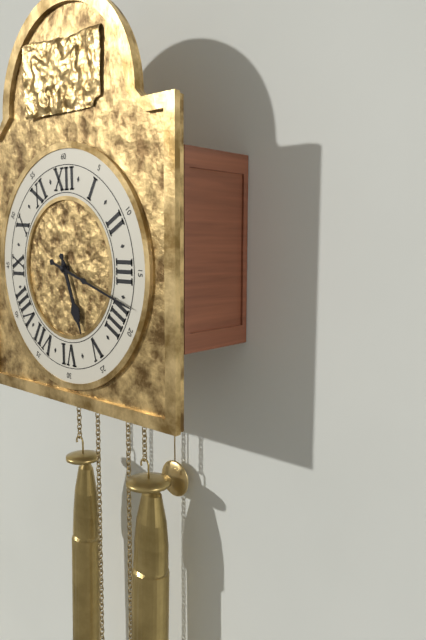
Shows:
{"hour": 5, "minute": 18}
